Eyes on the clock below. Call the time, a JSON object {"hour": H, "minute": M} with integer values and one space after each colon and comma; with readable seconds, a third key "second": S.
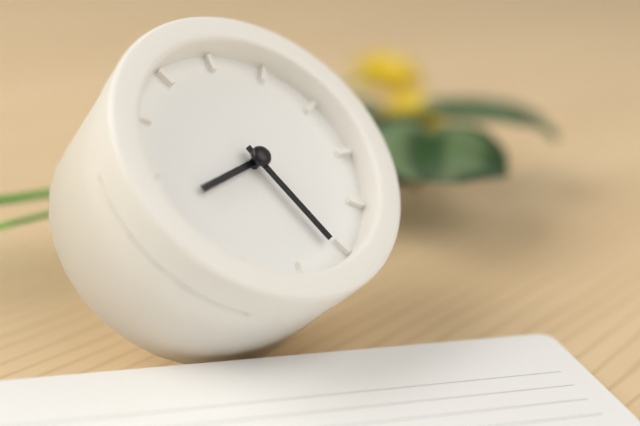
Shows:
{"hour": 8, "minute": 26}
